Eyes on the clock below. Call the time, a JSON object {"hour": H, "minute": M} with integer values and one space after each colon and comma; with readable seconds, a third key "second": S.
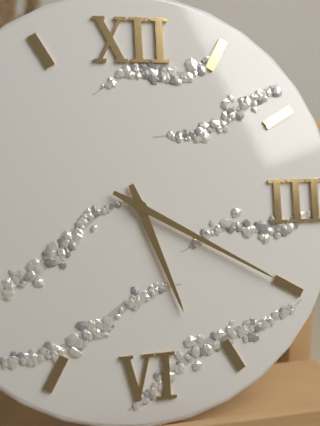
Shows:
{"hour": 5, "minute": 20}
